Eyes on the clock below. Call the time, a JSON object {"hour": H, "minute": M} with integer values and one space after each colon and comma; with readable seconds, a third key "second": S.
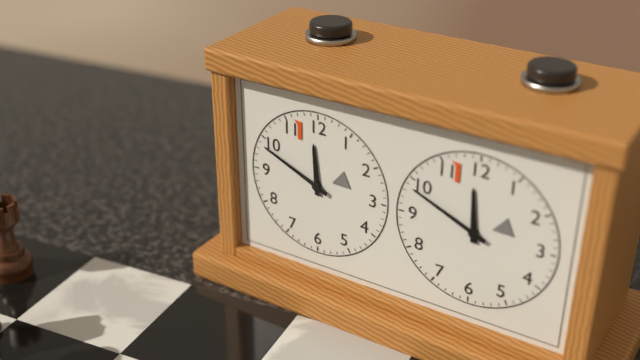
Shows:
{"hour": 11, "minute": 49}
